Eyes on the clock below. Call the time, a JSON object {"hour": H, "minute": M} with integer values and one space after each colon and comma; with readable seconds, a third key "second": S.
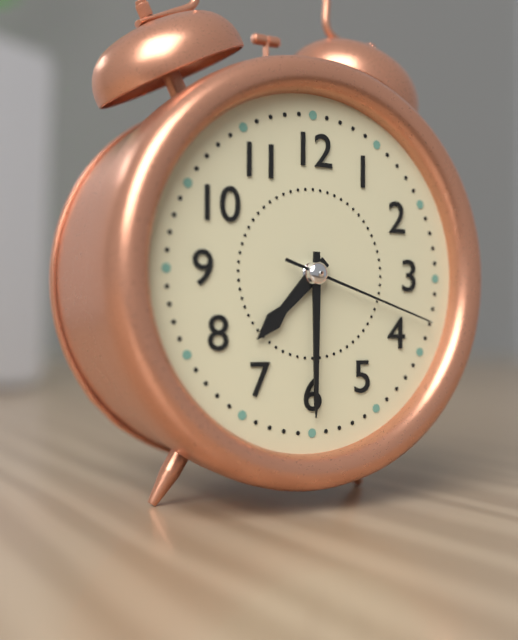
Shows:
{"hour": 7, "minute": 30, "second": 18}
